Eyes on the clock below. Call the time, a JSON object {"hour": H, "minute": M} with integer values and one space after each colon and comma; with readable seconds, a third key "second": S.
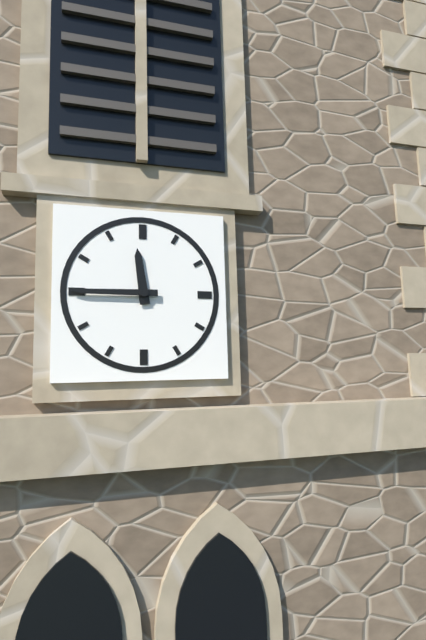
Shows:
{"hour": 11, "minute": 45}
